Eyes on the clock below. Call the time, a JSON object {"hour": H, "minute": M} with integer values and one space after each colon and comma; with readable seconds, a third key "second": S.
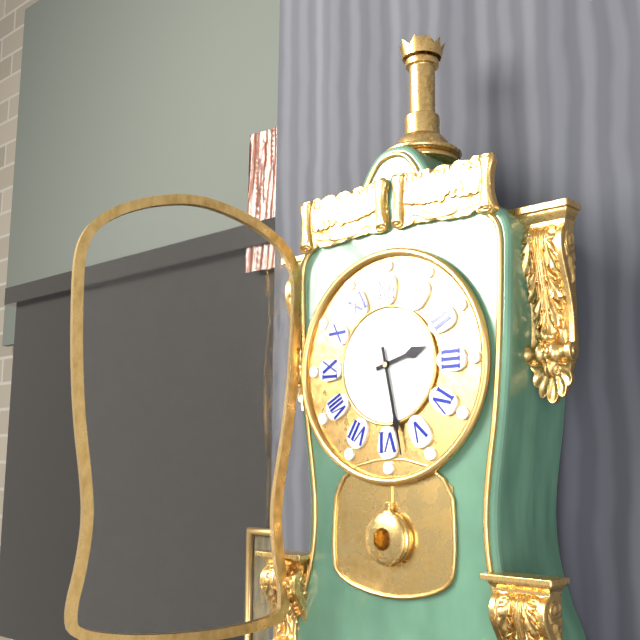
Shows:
{"hour": 2, "minute": 28}
